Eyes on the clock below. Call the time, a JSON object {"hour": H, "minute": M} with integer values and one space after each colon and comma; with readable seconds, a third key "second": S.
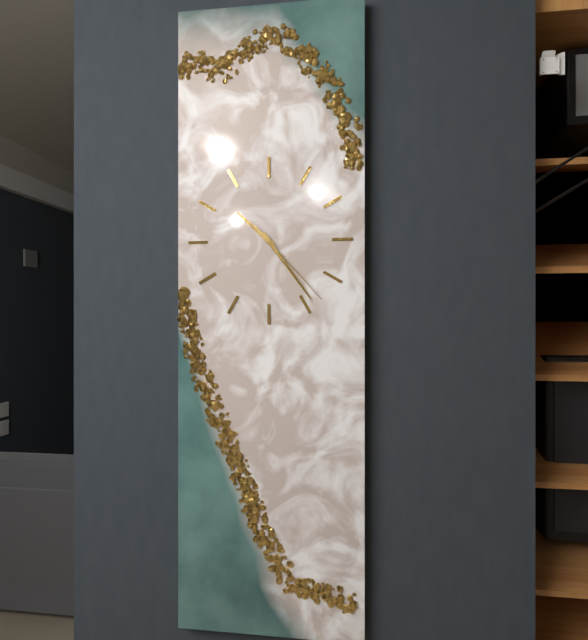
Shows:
{"hour": 10, "minute": 24, "second": 23}
